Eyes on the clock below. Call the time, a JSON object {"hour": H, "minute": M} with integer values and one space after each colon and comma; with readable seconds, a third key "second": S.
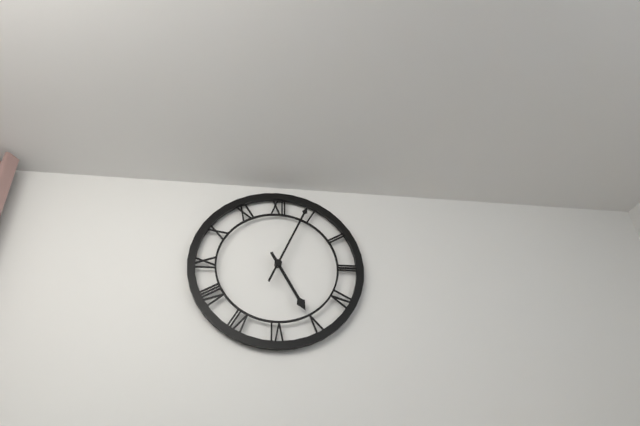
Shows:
{"hour": 5, "minute": 4}
